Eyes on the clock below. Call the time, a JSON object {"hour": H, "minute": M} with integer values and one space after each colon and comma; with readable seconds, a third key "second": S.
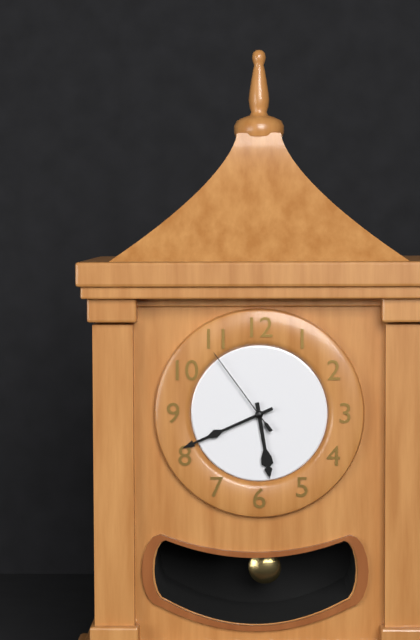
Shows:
{"hour": 5, "minute": 41, "second": 54}
